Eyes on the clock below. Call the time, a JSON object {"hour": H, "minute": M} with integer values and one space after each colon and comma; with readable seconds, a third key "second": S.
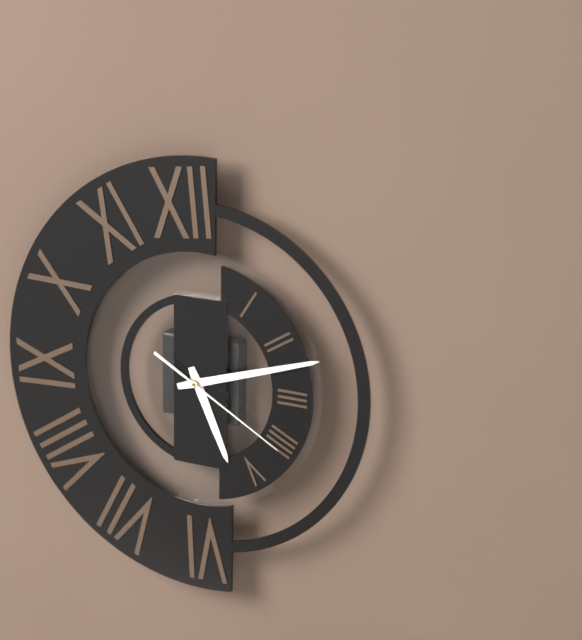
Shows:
{"hour": 5, "minute": 12, "second": 20}
